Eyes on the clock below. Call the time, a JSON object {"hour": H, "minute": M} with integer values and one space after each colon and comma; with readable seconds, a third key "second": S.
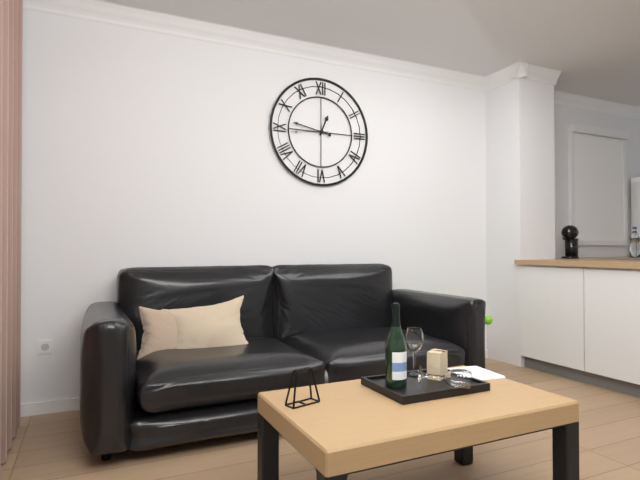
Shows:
{"hour": 12, "minute": 47}
